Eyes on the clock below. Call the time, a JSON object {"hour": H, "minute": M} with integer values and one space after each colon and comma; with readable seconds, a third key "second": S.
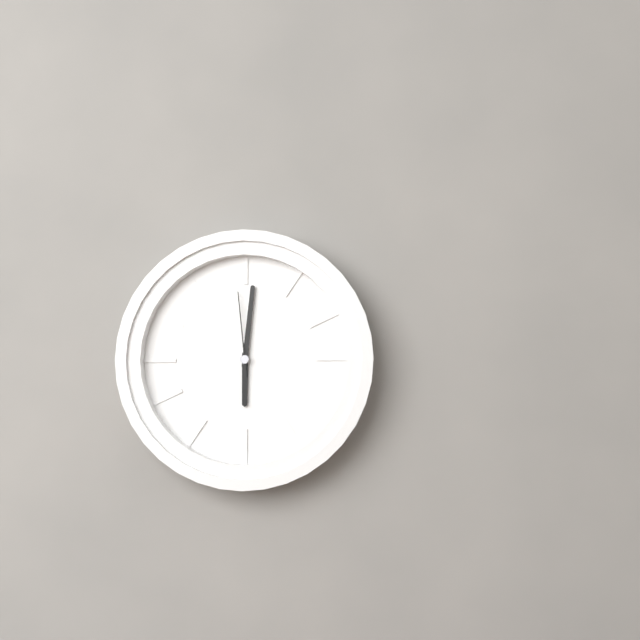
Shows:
{"hour": 6, "minute": 1, "second": 59}
